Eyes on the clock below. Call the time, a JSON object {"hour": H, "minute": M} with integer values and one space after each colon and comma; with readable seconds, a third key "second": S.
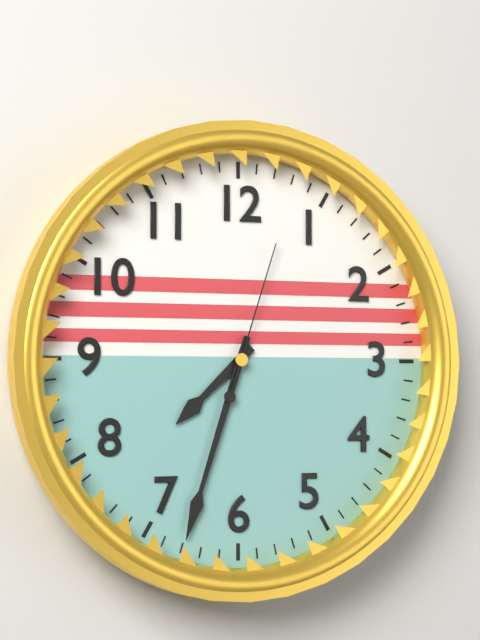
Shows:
{"hour": 7, "minute": 33, "second": 3}
